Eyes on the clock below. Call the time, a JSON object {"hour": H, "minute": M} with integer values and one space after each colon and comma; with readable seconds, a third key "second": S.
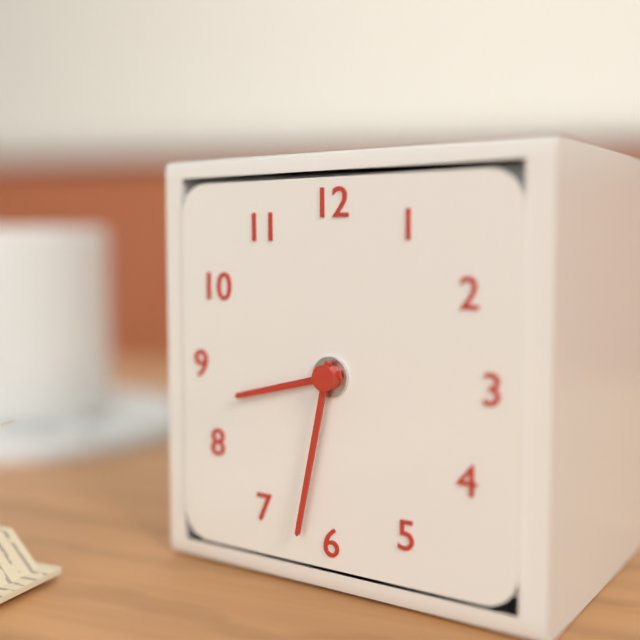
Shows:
{"hour": 8, "minute": 32}
